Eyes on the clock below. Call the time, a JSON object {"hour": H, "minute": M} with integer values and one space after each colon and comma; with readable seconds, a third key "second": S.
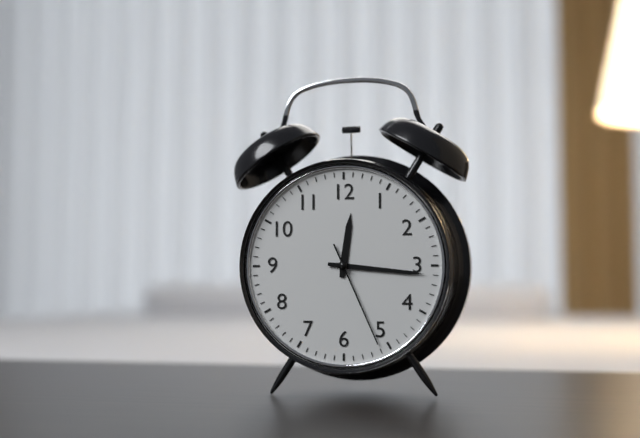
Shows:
{"hour": 12, "minute": 16, "second": 26}
